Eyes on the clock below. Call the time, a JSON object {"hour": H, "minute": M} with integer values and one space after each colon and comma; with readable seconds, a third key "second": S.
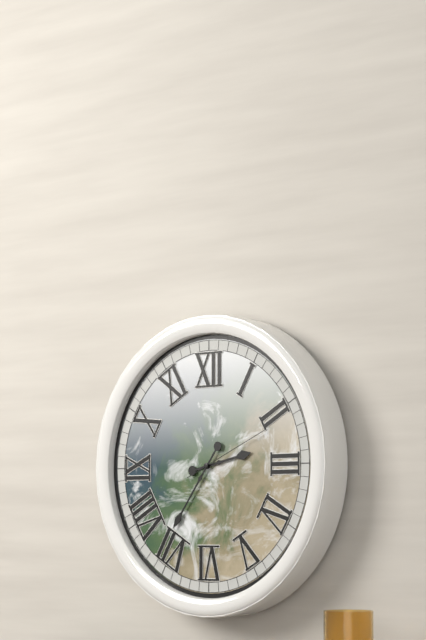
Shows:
{"hour": 2, "minute": 36, "second": 11}
